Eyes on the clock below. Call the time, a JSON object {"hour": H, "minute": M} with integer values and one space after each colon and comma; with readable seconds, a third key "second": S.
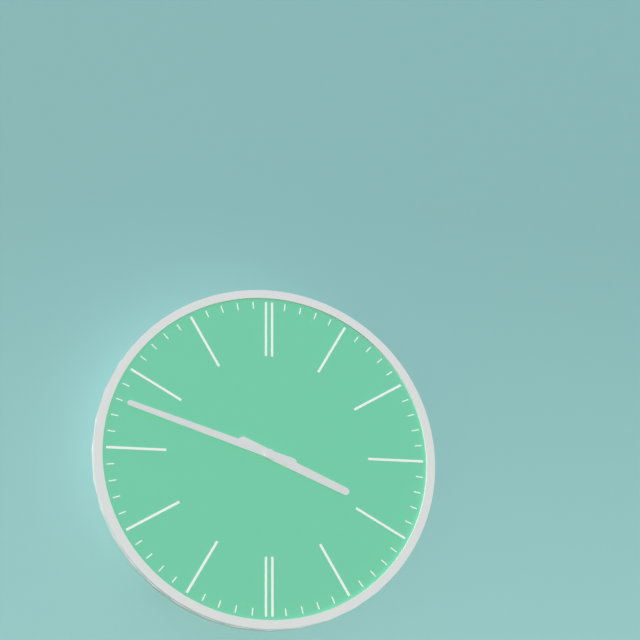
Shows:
{"hour": 3, "minute": 48}
